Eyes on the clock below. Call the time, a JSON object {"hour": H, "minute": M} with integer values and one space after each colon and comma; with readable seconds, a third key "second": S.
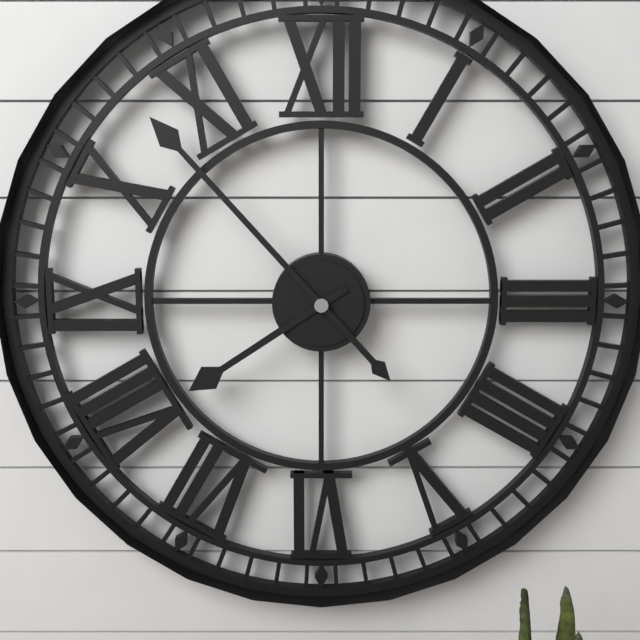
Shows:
{"hour": 7, "minute": 53}
